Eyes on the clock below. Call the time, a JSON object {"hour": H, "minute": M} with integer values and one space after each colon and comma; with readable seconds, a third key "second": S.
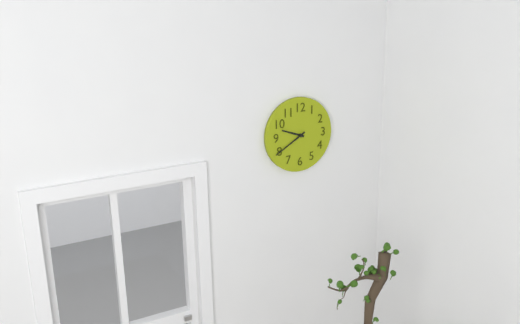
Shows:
{"hour": 9, "minute": 40}
